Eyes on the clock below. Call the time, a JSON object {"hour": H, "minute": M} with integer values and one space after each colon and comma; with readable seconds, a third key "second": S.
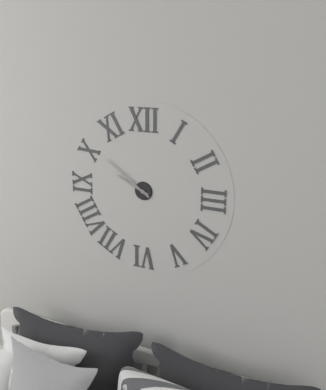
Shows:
{"hour": 9, "minute": 51}
